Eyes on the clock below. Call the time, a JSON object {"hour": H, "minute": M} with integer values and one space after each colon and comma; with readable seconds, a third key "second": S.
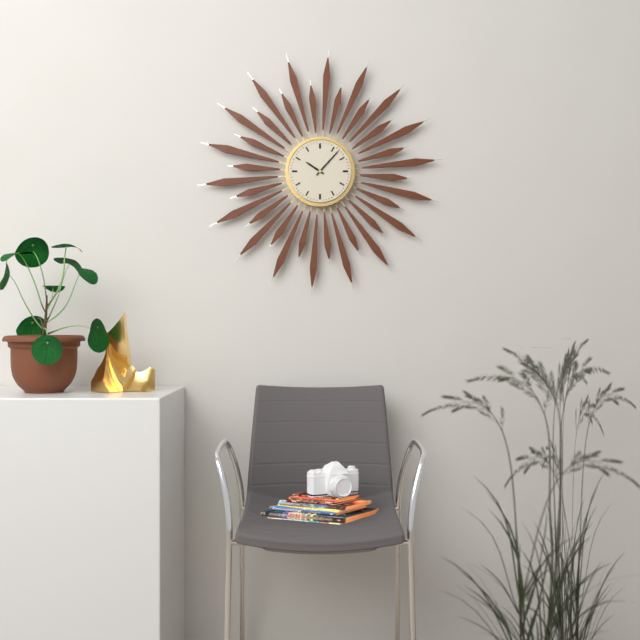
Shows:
{"hour": 10, "minute": 7}
